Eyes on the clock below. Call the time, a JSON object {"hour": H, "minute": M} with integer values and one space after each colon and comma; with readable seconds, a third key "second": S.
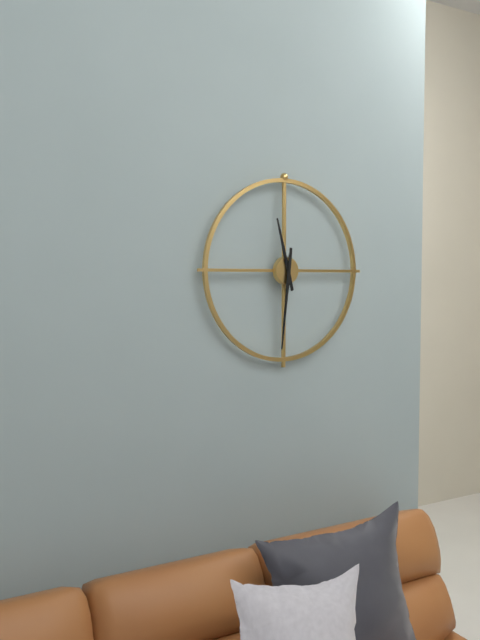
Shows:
{"hour": 11, "minute": 31}
